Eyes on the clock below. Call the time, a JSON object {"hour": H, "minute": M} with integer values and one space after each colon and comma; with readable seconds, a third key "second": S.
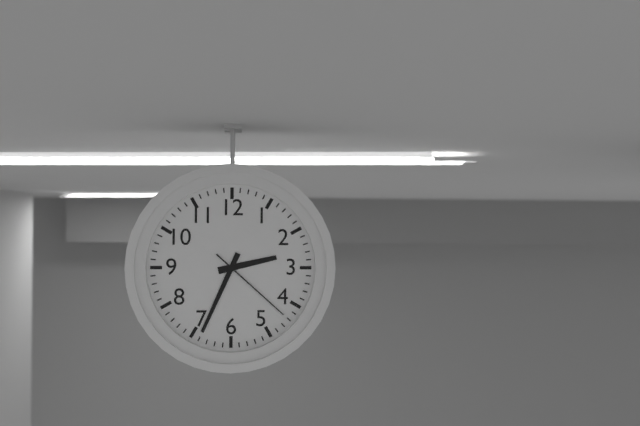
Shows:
{"hour": 2, "minute": 34, "second": 22}
